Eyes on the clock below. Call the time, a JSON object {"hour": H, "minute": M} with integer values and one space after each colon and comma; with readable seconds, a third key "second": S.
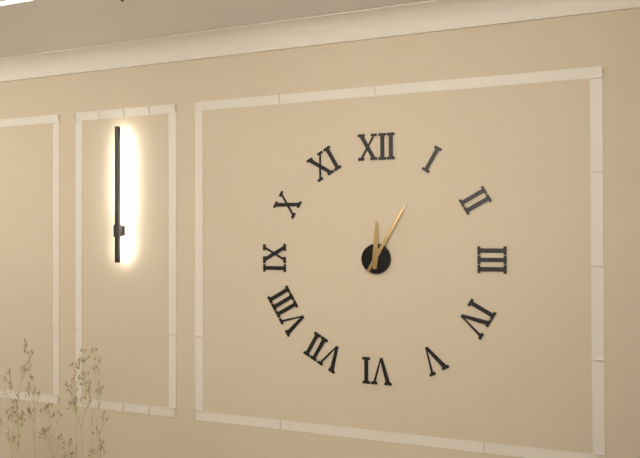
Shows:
{"hour": 12, "minute": 5}
